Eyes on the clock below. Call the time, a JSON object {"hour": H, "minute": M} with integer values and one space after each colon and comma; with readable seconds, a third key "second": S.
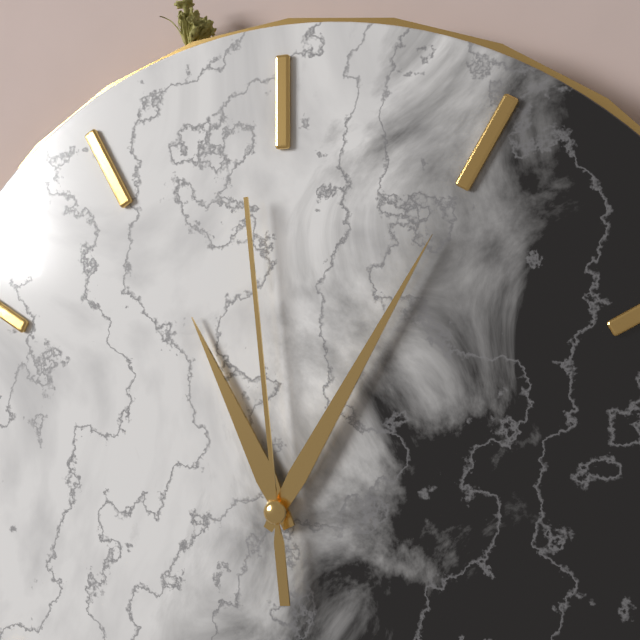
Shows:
{"hour": 11, "minute": 5, "second": 59}
